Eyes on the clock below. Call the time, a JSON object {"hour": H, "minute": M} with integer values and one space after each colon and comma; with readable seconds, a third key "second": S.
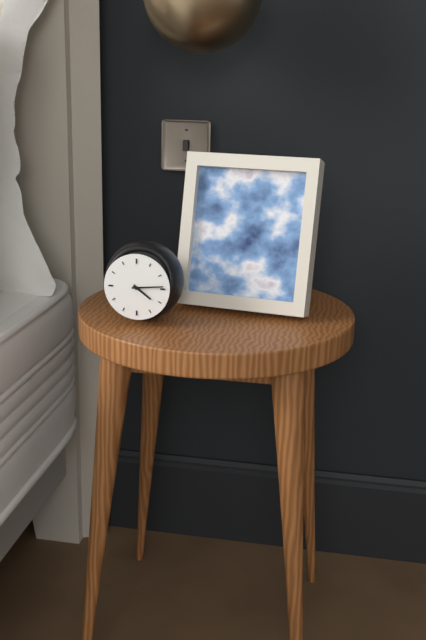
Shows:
{"hour": 4, "minute": 14}
